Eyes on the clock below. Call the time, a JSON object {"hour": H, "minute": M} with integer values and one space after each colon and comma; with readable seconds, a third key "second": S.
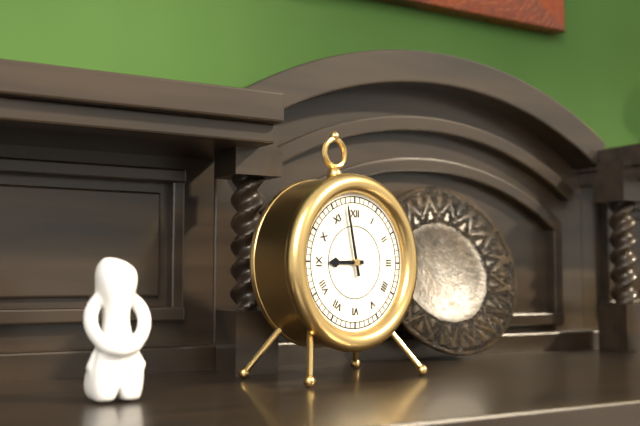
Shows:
{"hour": 8, "minute": 58}
